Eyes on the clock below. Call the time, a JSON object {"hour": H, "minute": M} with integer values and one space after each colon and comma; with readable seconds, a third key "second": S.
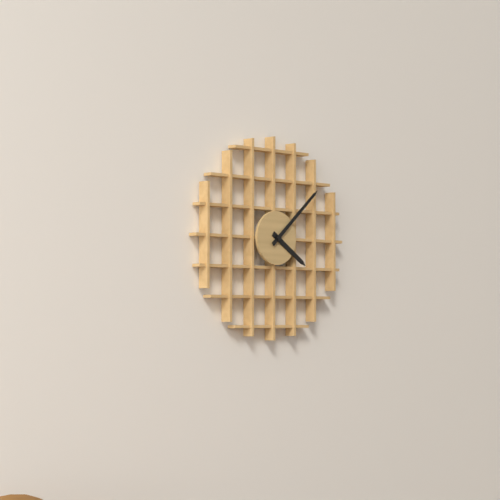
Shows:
{"hour": 4, "minute": 8}
